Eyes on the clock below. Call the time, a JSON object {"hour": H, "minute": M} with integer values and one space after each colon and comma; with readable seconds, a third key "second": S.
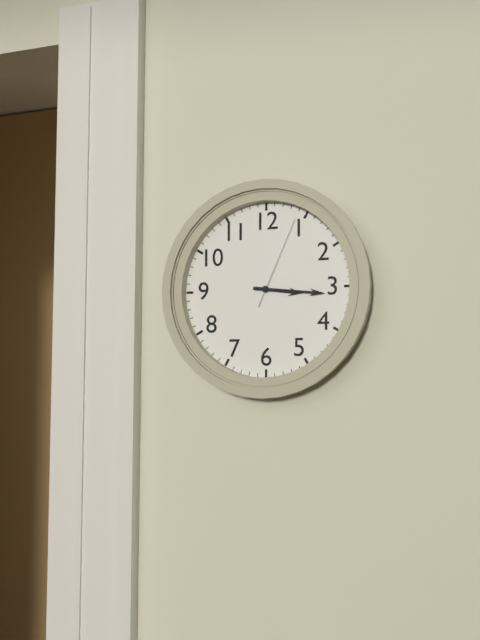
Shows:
{"hour": 3, "minute": 16, "second": 4}
